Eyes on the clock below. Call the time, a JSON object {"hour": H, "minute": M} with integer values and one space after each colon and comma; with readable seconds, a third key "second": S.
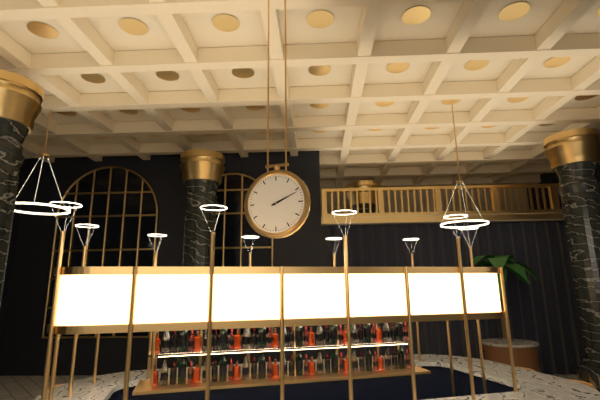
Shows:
{"hour": 2, "minute": 11}
